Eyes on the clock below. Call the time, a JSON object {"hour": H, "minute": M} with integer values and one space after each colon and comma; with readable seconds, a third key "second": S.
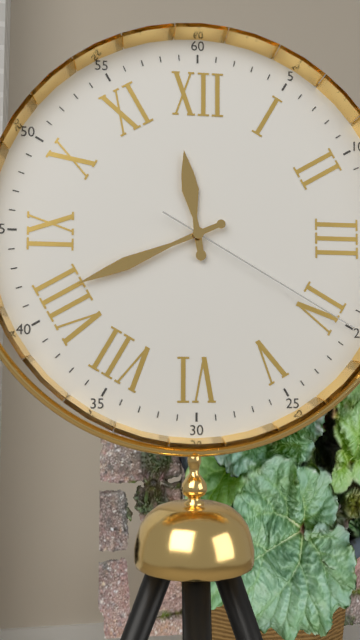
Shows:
{"hour": 11, "minute": 41, "second": 20}
